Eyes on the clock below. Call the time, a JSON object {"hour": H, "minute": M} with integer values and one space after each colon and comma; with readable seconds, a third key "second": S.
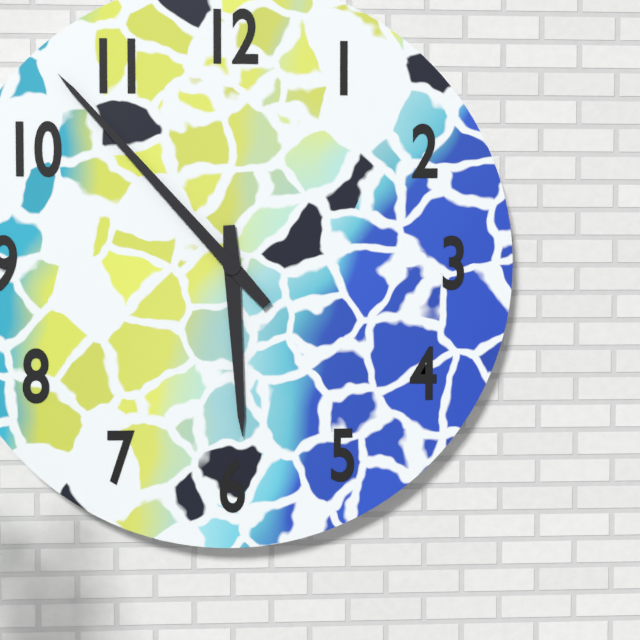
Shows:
{"hour": 5, "minute": 53}
